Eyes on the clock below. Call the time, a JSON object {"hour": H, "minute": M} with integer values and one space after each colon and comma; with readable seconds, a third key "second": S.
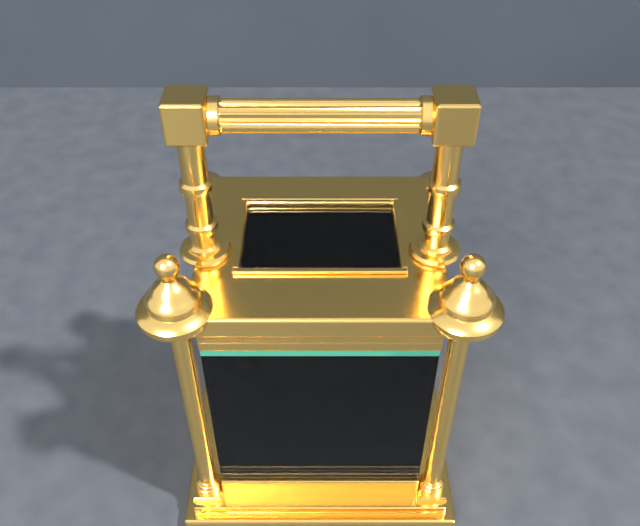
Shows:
{"hour": 12, "minute": 42}
